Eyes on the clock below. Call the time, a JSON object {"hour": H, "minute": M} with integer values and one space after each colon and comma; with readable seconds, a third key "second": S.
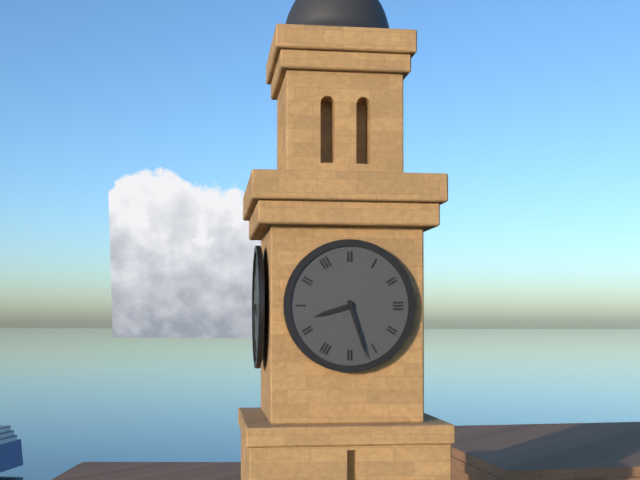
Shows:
{"hour": 8, "minute": 27}
